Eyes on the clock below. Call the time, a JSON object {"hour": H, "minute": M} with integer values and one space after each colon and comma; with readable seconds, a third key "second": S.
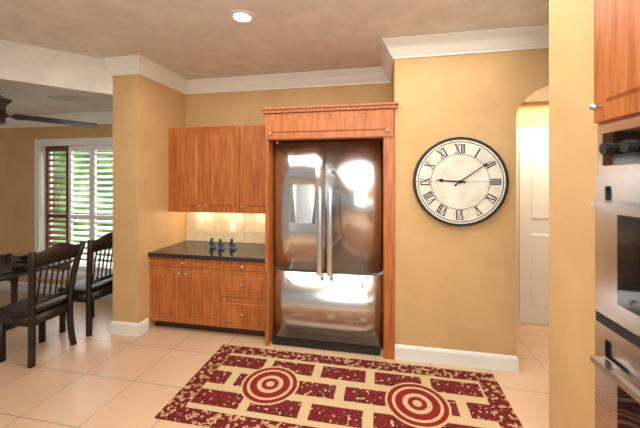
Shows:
{"hour": 9, "minute": 9}
